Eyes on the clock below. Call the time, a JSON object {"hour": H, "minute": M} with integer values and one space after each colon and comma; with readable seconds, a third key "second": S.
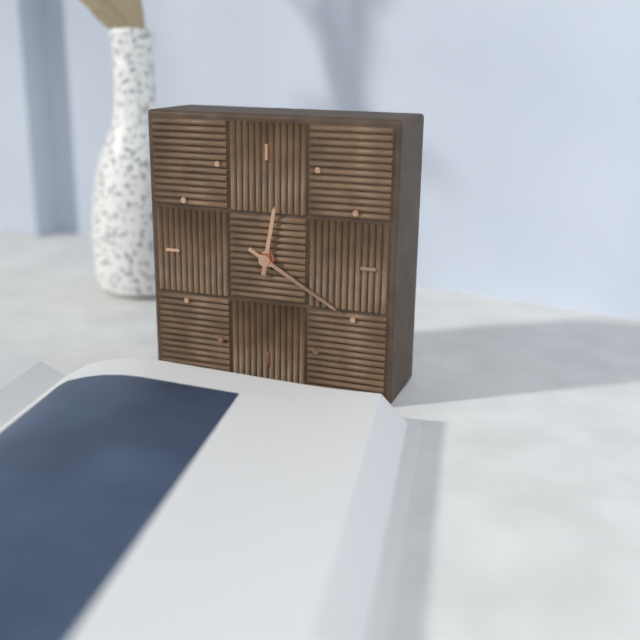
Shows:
{"hour": 12, "minute": 20}
